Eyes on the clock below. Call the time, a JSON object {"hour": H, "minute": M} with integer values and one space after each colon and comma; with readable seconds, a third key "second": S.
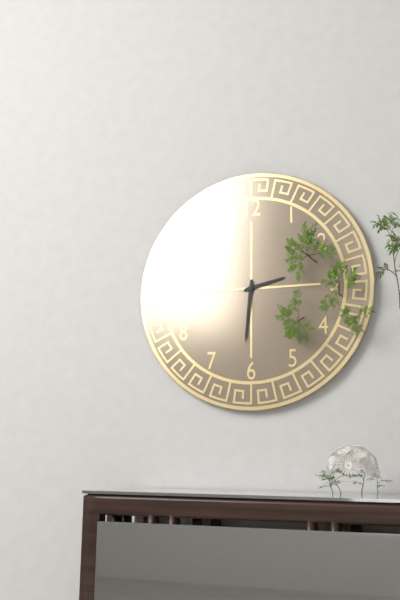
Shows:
{"hour": 2, "minute": 31}
